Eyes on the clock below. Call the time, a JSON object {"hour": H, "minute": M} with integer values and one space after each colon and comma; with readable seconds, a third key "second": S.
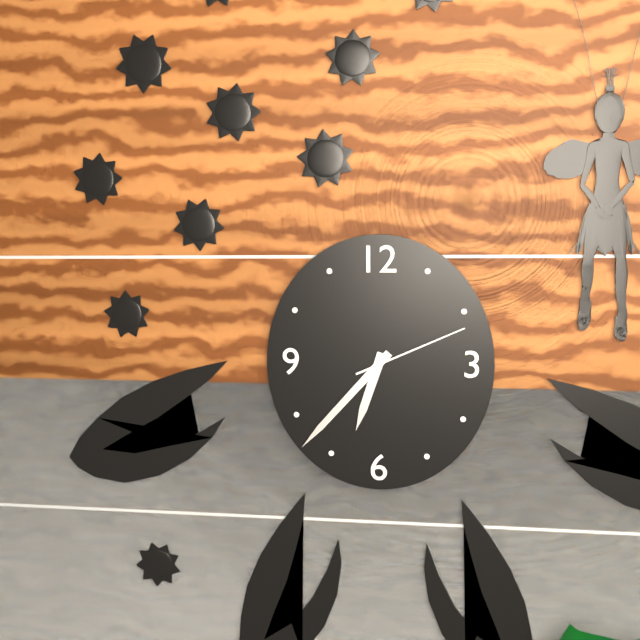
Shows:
{"hour": 6, "minute": 37, "second": 11}
